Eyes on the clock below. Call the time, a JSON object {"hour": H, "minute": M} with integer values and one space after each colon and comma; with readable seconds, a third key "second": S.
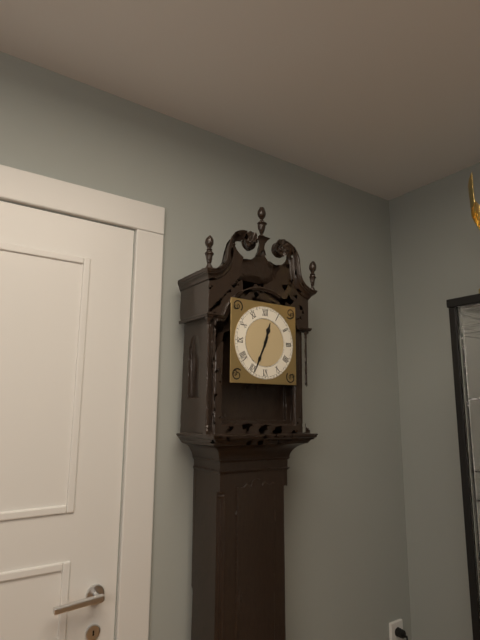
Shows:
{"hour": 12, "minute": 34}
